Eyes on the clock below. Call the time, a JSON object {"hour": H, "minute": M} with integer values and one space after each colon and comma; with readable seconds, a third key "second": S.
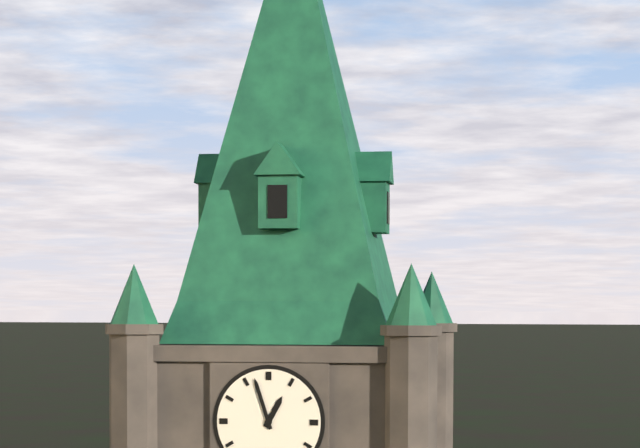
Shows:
{"hour": 12, "minute": 57}
